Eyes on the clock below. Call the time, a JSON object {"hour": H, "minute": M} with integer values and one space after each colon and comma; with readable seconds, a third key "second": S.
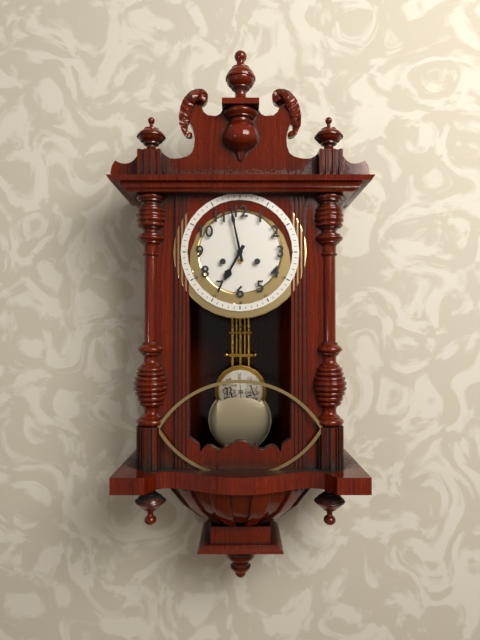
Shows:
{"hour": 6, "minute": 58}
